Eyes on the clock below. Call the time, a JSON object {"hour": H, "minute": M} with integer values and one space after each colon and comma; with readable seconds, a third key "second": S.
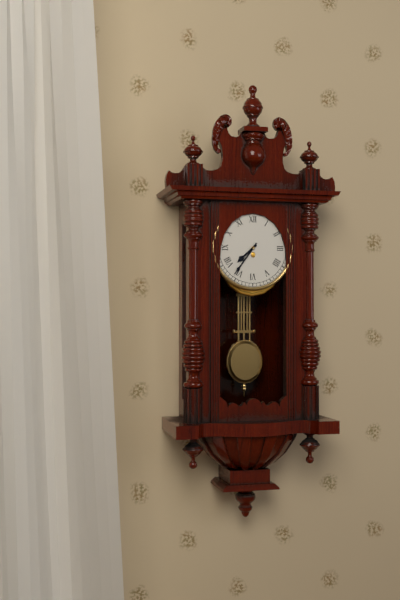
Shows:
{"hour": 7, "minute": 36}
